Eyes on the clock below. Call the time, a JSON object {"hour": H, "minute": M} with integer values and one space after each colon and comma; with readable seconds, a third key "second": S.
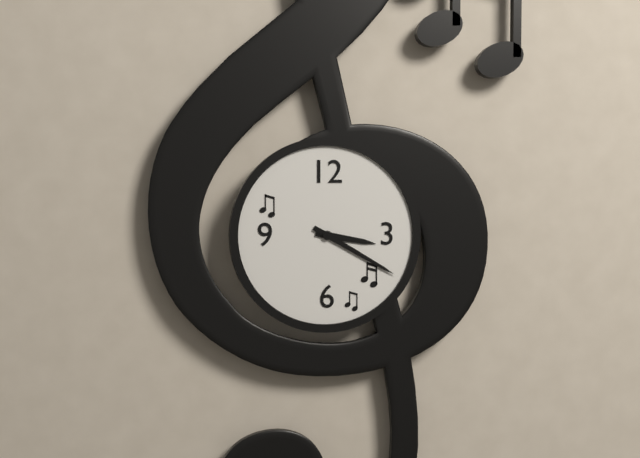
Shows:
{"hour": 3, "minute": 20}
